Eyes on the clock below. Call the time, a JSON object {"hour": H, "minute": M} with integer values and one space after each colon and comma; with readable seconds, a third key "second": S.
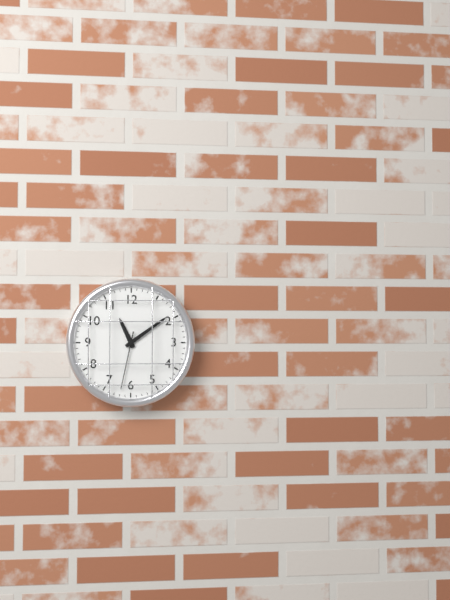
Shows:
{"hour": 11, "minute": 9, "second": 32}
